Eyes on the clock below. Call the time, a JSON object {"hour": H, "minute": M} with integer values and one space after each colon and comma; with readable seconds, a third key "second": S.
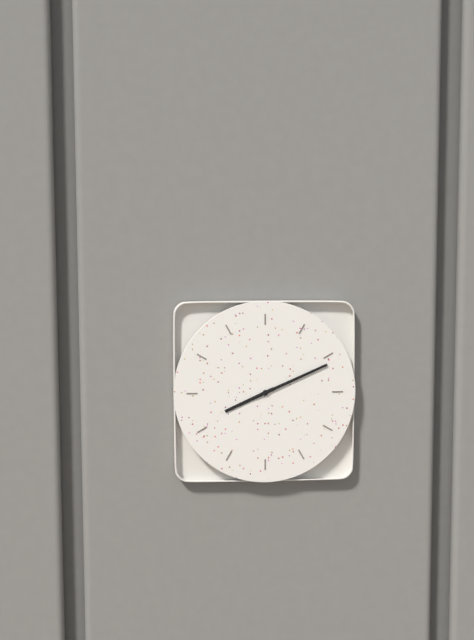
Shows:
{"hour": 8, "minute": 11}
